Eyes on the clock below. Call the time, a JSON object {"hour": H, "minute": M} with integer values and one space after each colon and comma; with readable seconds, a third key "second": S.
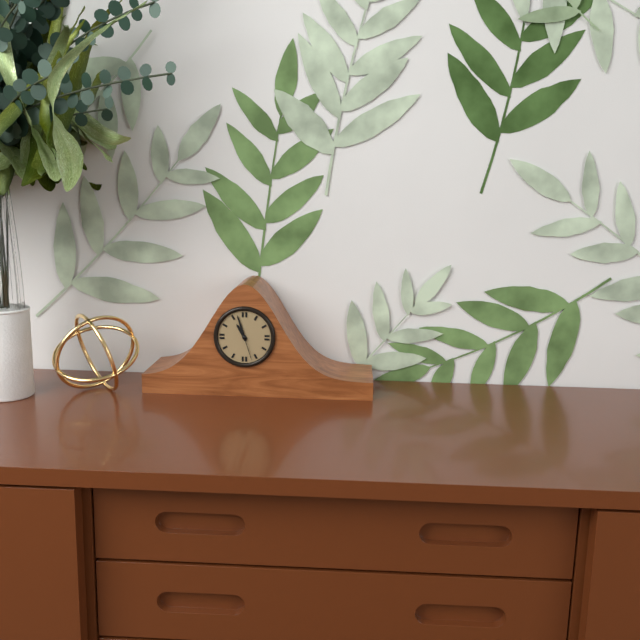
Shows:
{"hour": 10, "minute": 57}
